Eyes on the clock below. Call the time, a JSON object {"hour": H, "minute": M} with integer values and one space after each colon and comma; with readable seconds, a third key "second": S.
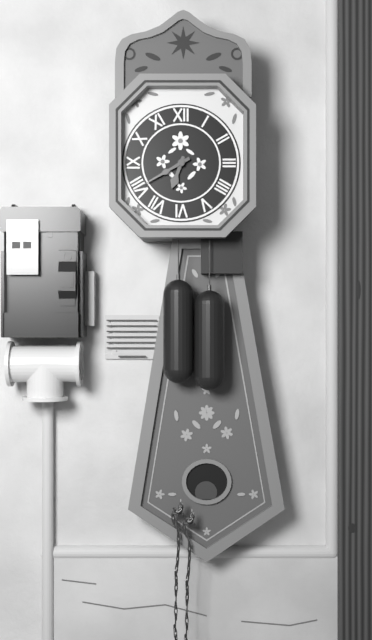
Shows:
{"hour": 6, "minute": 40}
